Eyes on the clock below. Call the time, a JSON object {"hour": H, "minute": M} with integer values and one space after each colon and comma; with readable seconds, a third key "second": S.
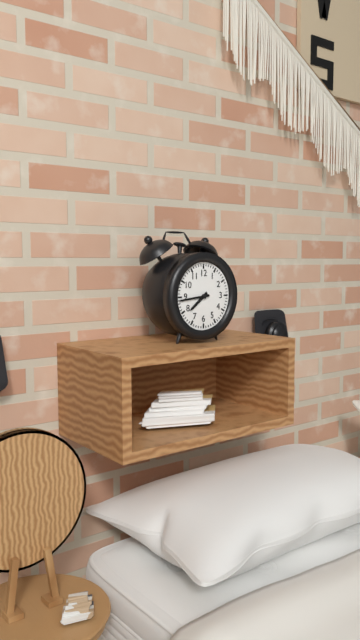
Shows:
{"hour": 7, "minute": 44}
